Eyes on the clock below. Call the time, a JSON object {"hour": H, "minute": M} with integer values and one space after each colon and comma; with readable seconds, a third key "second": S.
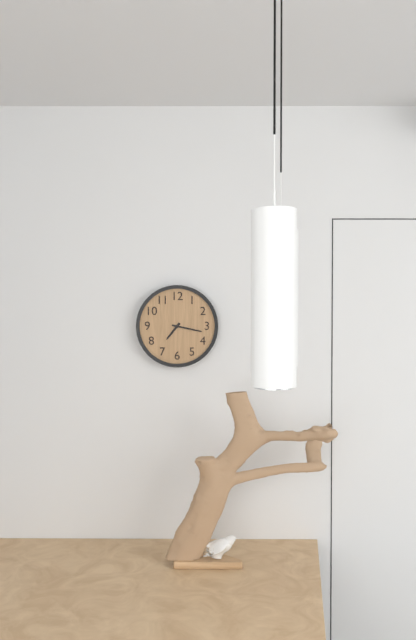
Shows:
{"hour": 7, "minute": 17}
